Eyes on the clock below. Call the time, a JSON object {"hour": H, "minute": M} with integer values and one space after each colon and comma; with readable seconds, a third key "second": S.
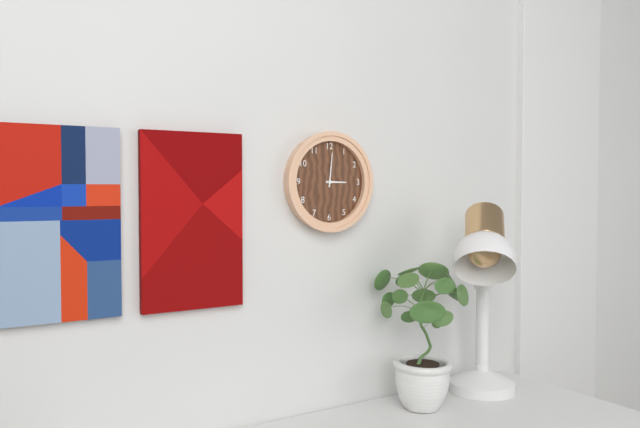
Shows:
{"hour": 3, "minute": 1}
